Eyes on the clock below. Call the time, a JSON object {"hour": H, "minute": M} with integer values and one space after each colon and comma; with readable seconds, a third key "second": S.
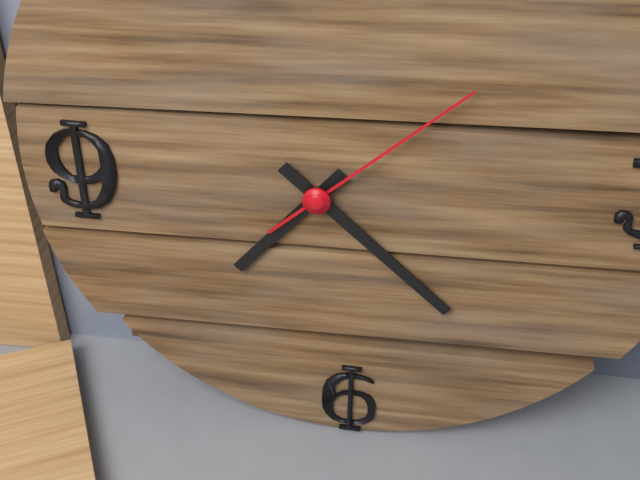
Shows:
{"hour": 7, "minute": 22, "second": 8}
